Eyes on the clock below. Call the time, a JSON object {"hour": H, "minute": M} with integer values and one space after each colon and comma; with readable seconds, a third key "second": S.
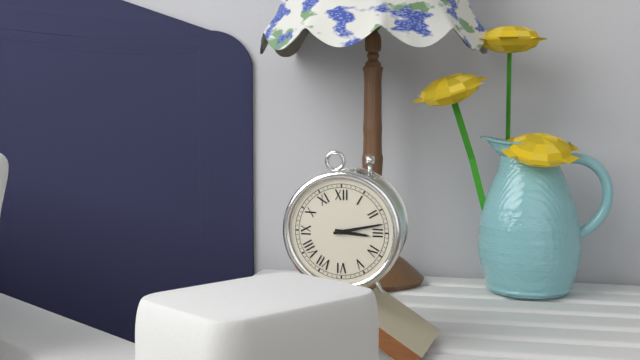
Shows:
{"hour": 3, "minute": 13}
